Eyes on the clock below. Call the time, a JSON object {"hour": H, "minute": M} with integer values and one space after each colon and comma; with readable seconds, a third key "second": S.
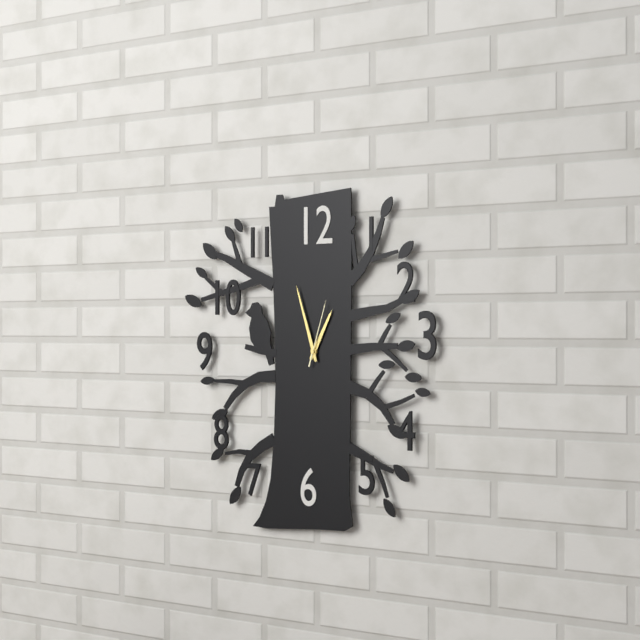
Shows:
{"hour": 12, "minute": 57, "second": 3}
